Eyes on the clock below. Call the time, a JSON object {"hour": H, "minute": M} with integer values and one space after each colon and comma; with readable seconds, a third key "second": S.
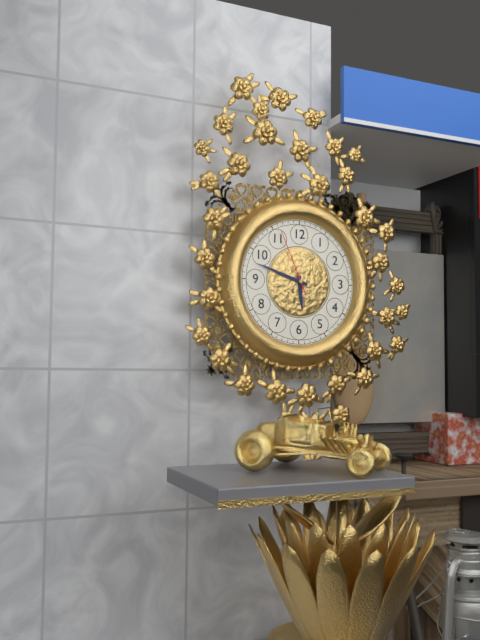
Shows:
{"hour": 5, "minute": 48, "second": 56}
